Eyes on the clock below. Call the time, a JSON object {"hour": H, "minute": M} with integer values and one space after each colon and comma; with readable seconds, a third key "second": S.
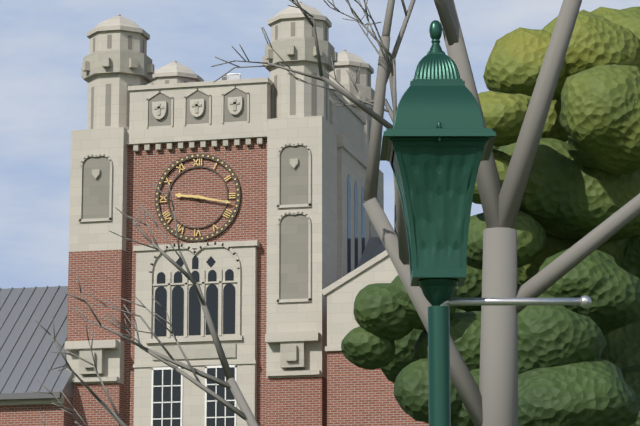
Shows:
{"hour": 9, "minute": 17}
